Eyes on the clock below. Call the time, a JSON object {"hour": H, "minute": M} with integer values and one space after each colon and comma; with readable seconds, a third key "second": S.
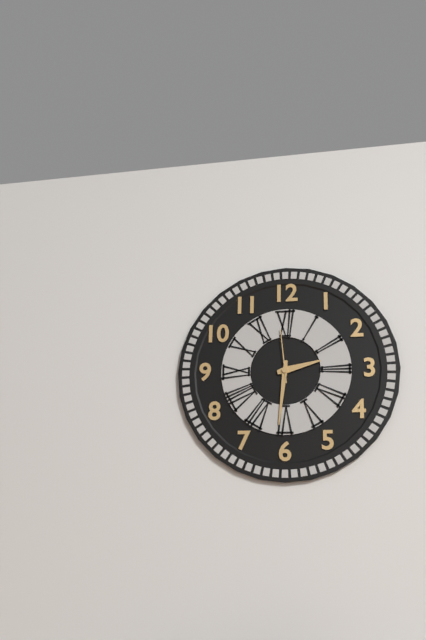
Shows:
{"hour": 2, "minute": 31, "second": 59}
